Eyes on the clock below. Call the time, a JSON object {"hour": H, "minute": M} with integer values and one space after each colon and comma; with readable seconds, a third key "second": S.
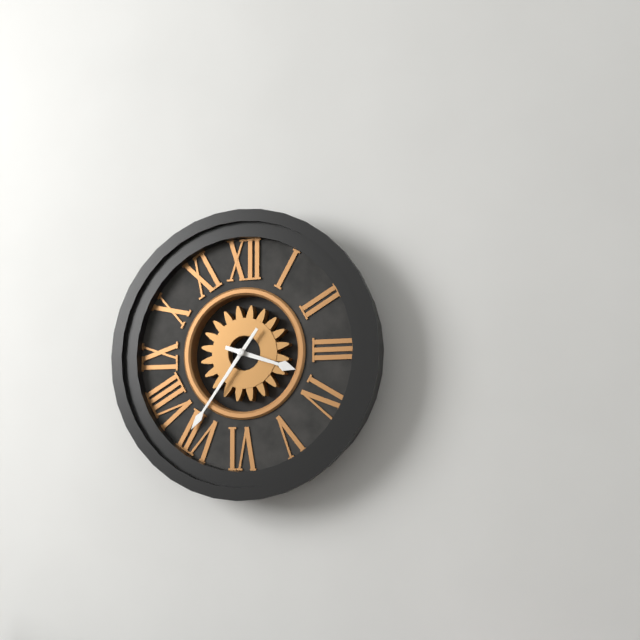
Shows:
{"hour": 3, "minute": 36}
